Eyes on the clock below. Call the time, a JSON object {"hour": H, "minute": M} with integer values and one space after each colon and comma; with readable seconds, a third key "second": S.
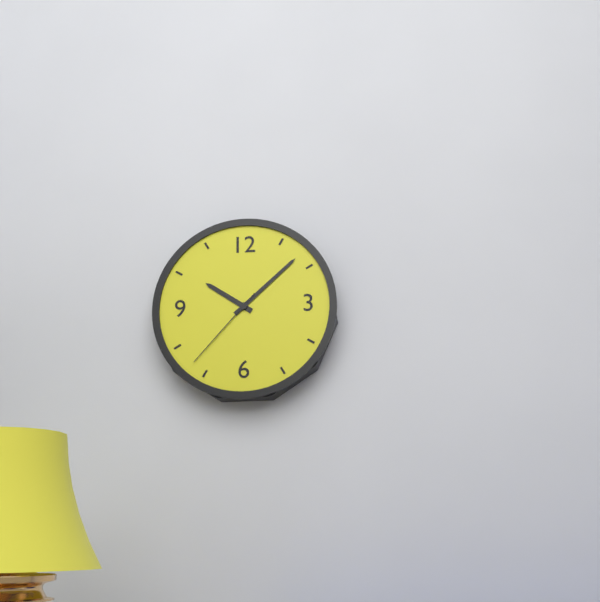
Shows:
{"hour": 10, "minute": 8, "second": 37}
